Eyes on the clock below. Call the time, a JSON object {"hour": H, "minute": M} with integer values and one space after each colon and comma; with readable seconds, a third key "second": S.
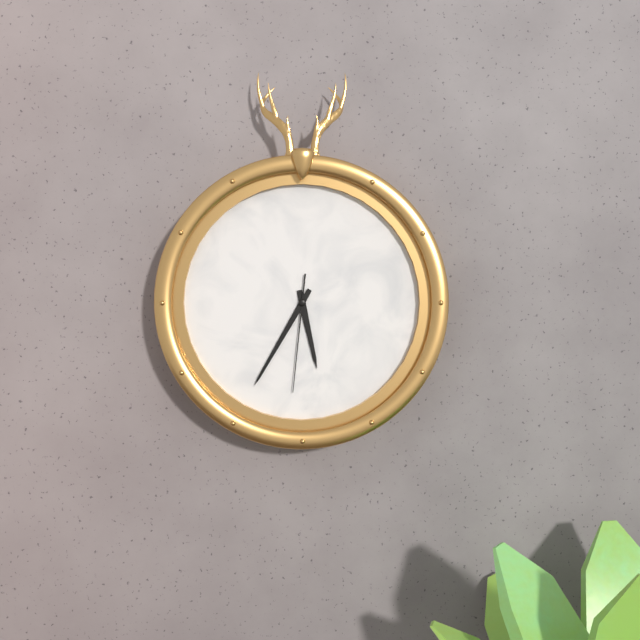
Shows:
{"hour": 5, "minute": 35, "second": 31}
